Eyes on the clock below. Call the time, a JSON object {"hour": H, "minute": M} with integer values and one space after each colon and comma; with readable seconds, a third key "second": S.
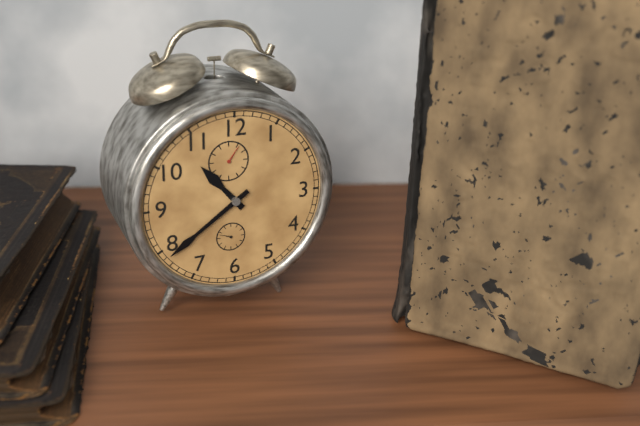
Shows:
{"hour": 10, "minute": 39}
